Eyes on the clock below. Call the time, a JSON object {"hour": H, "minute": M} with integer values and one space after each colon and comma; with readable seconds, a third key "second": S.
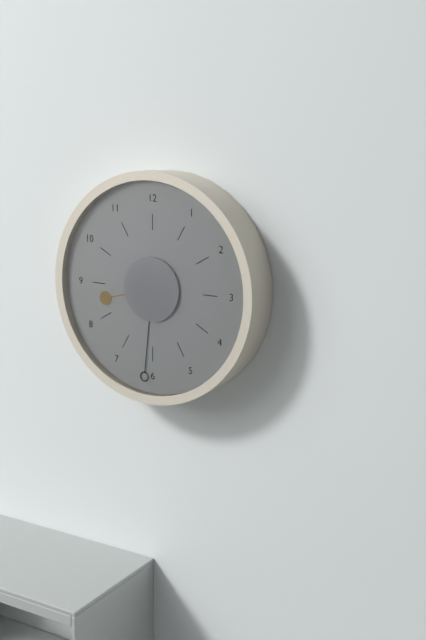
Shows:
{"hour": 8, "minute": 31}
